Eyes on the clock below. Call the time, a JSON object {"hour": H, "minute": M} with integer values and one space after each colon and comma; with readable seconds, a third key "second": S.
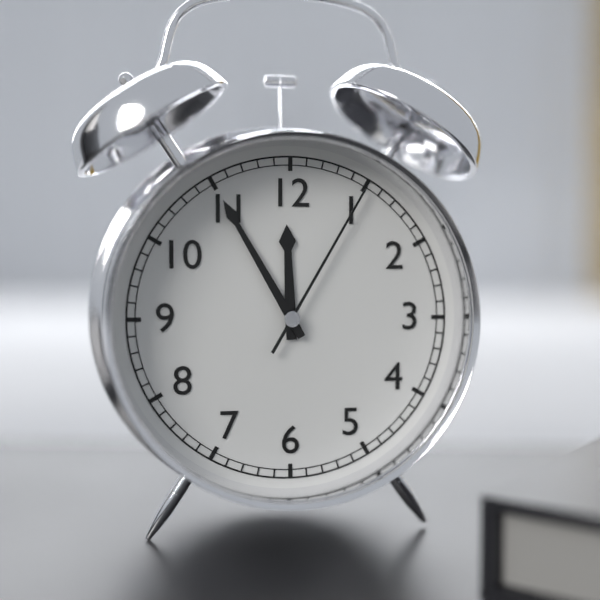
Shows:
{"hour": 11, "minute": 55, "second": 5}
